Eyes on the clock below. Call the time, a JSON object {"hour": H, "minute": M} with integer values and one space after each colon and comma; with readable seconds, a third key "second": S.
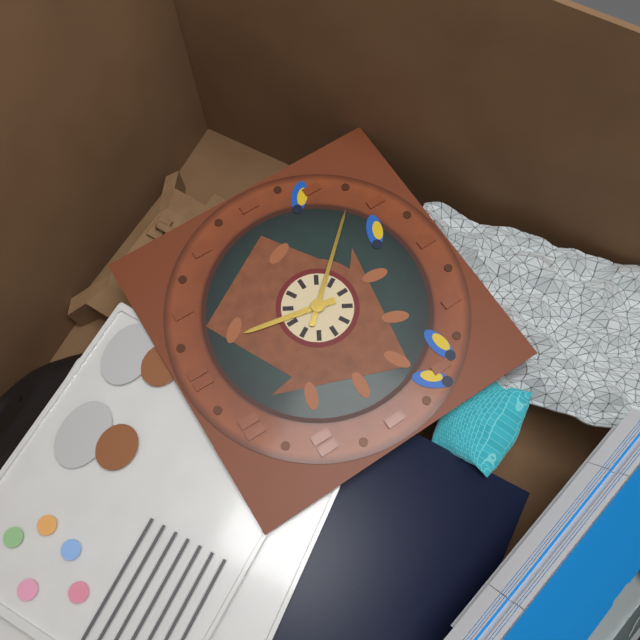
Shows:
{"hour": 12, "minute": 23}
